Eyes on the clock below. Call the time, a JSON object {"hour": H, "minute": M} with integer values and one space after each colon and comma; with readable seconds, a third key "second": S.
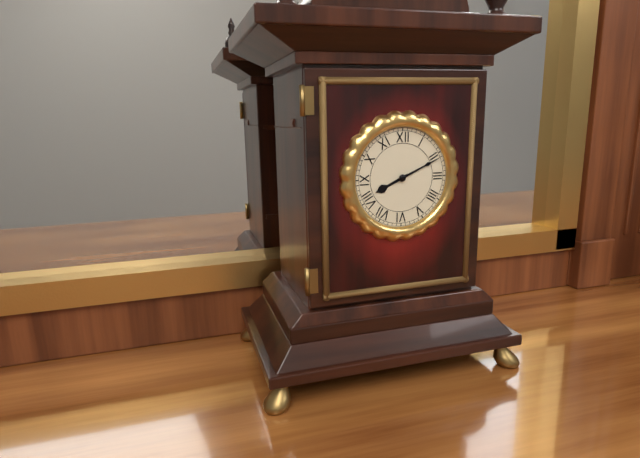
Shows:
{"hour": 8, "minute": 11}
